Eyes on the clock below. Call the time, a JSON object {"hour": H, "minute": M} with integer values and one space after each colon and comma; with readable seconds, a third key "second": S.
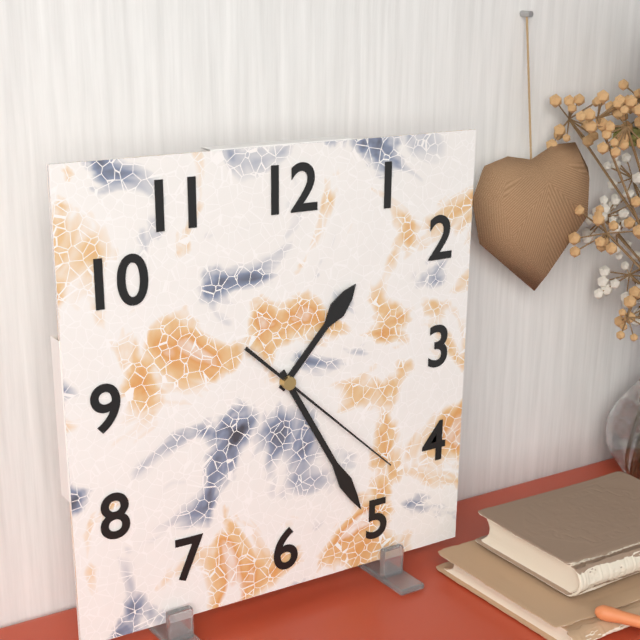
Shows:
{"hour": 1, "minute": 25, "second": 22}
